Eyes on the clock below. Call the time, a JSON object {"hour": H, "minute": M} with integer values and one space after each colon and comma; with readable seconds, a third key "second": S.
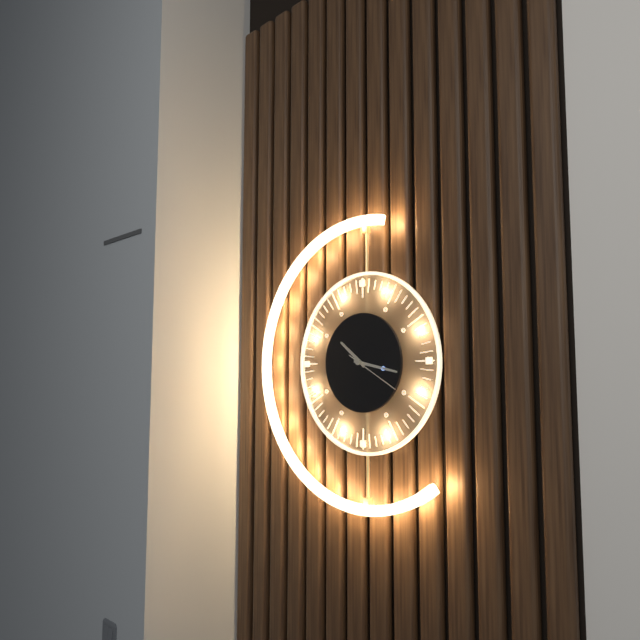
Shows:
{"hour": 10, "minute": 17, "second": 20}
